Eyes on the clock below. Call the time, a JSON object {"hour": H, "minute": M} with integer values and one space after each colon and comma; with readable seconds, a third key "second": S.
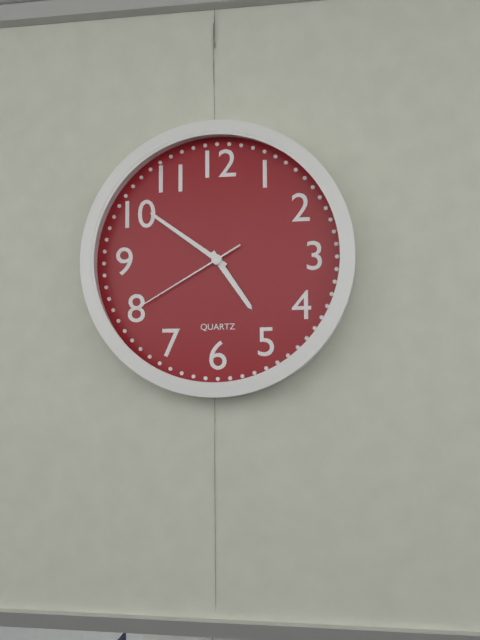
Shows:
{"hour": 4, "minute": 51, "second": 40}
